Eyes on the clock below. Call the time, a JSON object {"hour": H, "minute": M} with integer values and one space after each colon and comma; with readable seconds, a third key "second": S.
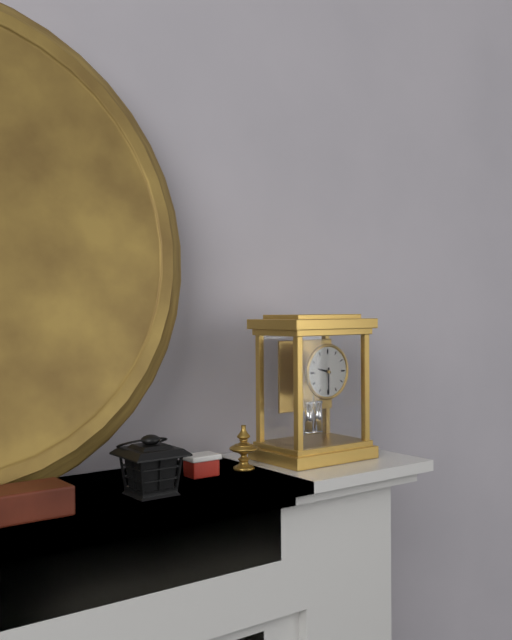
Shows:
{"hour": 9, "minute": 30}
